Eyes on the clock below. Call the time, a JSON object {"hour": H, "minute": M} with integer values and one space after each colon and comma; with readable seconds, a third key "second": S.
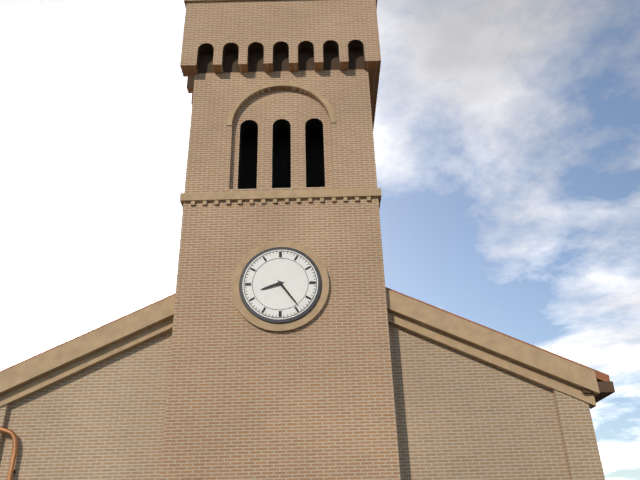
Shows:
{"hour": 8, "minute": 24}
